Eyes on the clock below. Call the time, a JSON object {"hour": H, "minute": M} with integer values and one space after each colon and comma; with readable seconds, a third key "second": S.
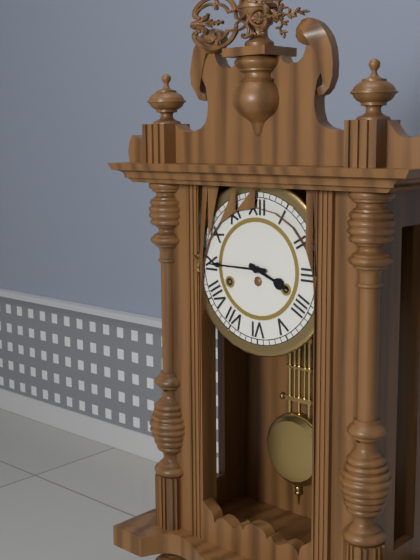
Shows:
{"hour": 3, "minute": 45}
